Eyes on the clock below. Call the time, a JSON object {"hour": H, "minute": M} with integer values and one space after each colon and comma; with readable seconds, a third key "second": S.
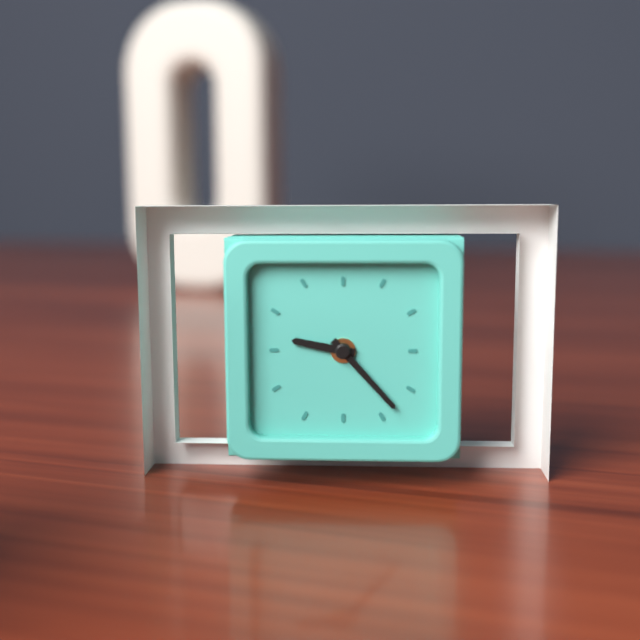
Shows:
{"hour": 9, "minute": 23}
